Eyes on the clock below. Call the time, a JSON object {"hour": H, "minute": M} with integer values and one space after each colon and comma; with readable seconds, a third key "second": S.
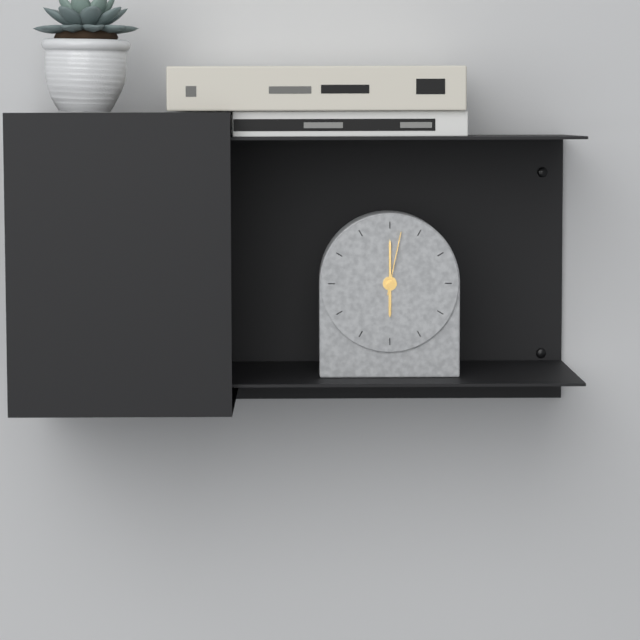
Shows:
{"hour": 6, "minute": 0, "second": 2}
